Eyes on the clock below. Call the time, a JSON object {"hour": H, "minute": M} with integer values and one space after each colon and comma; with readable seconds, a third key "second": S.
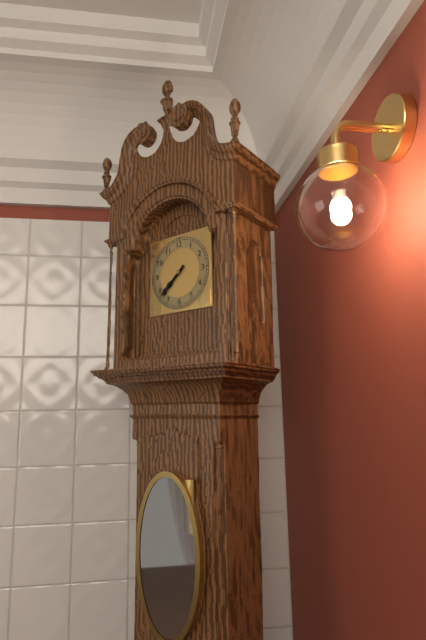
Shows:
{"hour": 7, "minute": 38}
